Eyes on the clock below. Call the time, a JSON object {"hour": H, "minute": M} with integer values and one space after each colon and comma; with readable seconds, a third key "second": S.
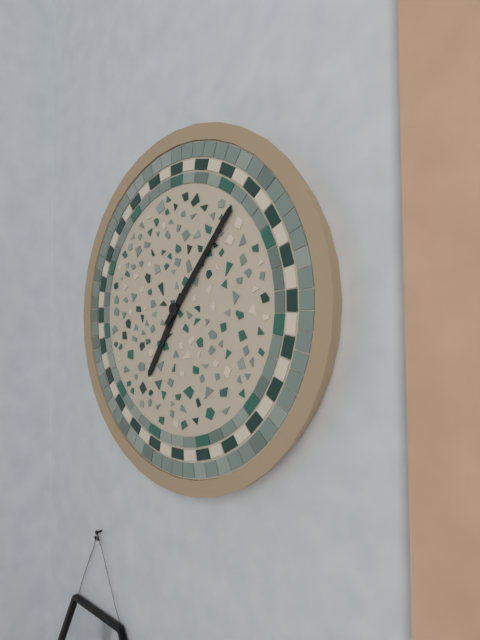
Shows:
{"hour": 7, "minute": 7}
